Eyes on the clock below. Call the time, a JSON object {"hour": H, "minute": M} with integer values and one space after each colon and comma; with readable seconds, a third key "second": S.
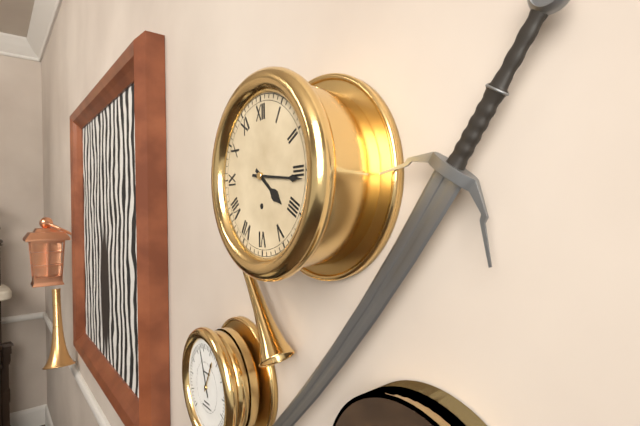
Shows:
{"hour": 4, "minute": 16}
